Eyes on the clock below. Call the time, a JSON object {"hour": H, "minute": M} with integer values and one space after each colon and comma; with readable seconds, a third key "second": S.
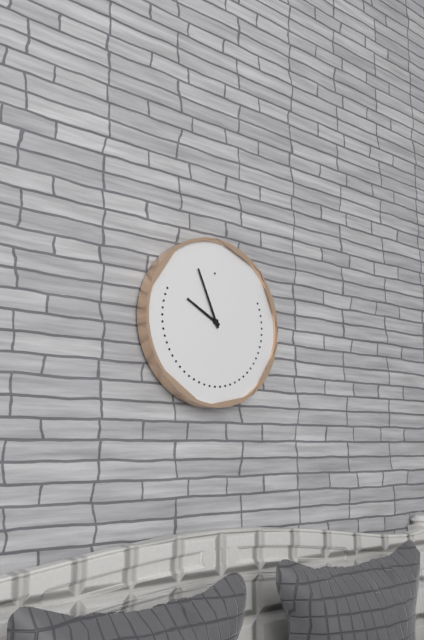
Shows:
{"hour": 9, "minute": 56}
